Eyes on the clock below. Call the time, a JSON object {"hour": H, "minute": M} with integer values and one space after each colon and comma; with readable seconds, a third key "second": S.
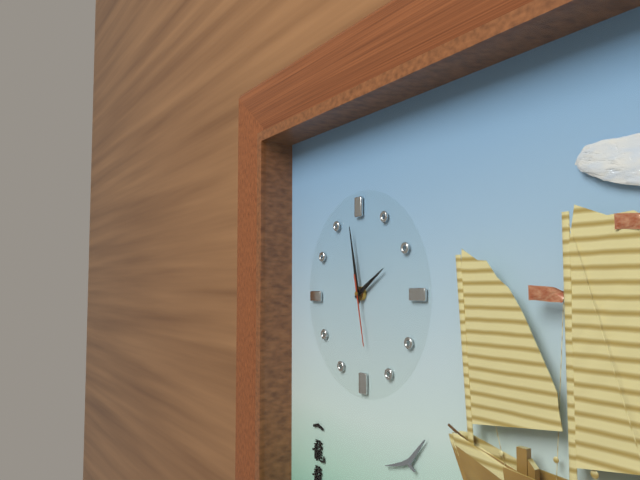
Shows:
{"hour": 1, "minute": 58, "second": 28}
